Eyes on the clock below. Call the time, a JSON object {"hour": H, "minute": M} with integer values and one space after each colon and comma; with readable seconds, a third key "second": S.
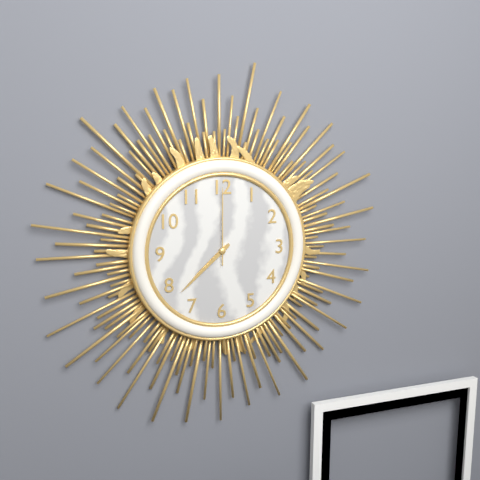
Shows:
{"hour": 7, "minute": 38, "second": 0}
